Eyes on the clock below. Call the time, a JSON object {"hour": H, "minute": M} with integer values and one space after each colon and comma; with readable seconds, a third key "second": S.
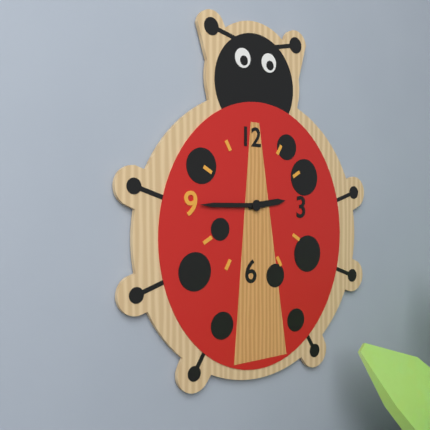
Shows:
{"hour": 2, "minute": 45}
